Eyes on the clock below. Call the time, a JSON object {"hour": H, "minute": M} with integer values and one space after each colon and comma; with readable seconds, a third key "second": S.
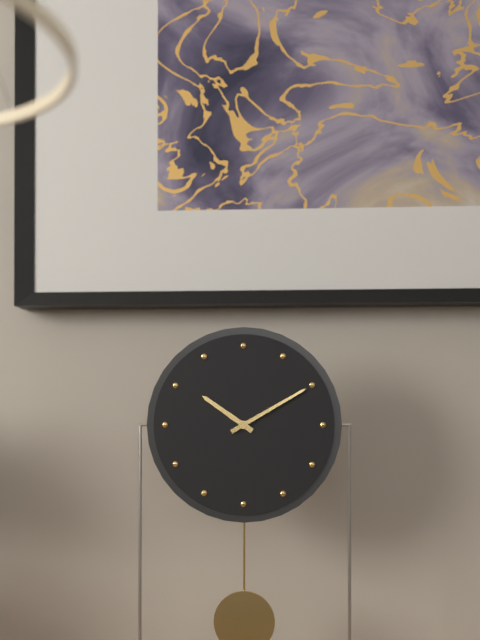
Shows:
{"hour": 10, "minute": 10}
